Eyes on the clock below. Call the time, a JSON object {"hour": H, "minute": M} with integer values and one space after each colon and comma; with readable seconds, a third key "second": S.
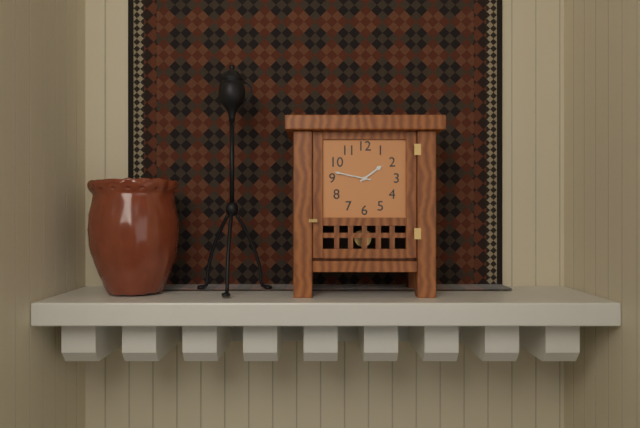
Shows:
{"hour": 1, "minute": 47}
